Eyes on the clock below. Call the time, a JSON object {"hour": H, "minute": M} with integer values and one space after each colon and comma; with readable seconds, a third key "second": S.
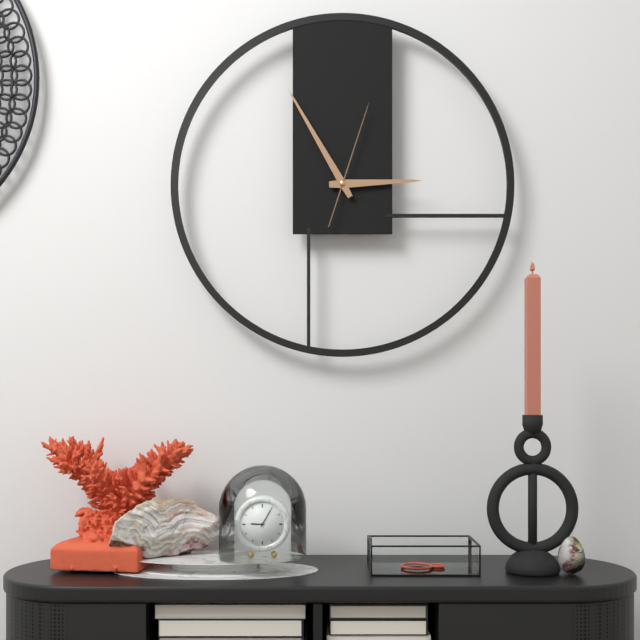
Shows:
{"hour": 2, "minute": 55, "second": 3}
